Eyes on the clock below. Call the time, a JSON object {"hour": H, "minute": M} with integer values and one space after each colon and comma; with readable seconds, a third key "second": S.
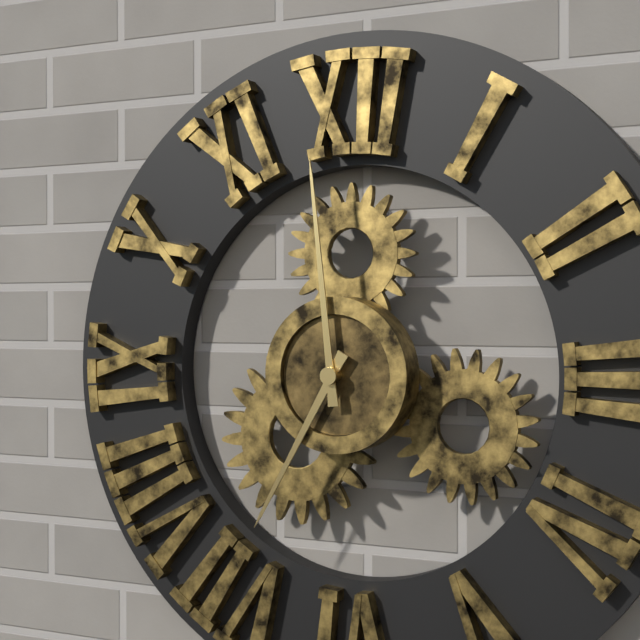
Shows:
{"hour": 6, "minute": 59}
